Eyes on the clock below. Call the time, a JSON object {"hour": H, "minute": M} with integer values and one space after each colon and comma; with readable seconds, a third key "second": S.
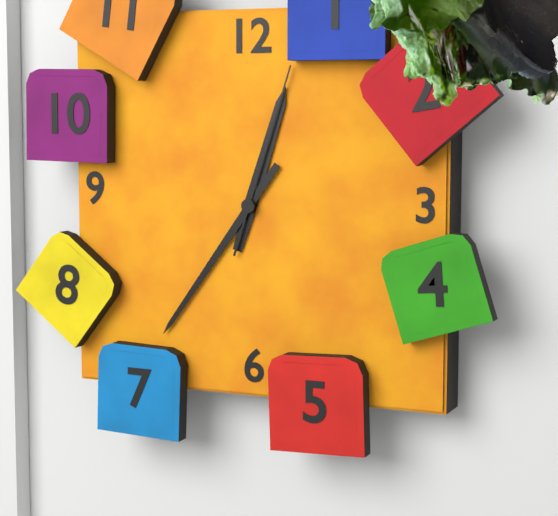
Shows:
{"hour": 12, "minute": 36, "second": 3}
